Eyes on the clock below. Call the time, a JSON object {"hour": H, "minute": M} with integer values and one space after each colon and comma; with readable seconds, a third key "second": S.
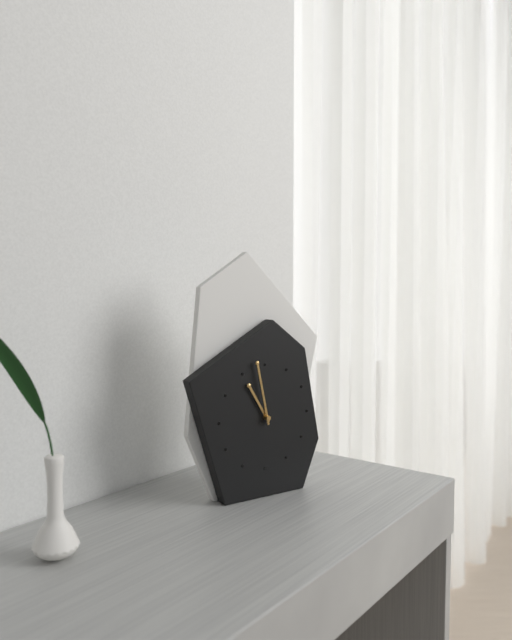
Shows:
{"hour": 10, "minute": 58}
